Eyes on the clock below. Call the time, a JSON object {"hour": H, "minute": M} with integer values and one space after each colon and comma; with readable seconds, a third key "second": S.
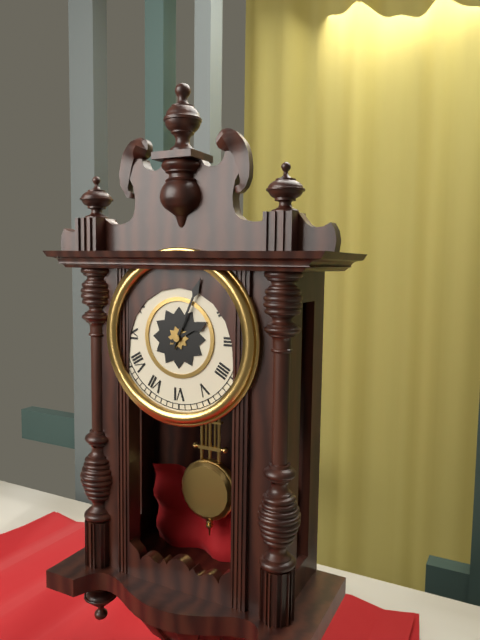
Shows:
{"hour": 2, "minute": 4}
